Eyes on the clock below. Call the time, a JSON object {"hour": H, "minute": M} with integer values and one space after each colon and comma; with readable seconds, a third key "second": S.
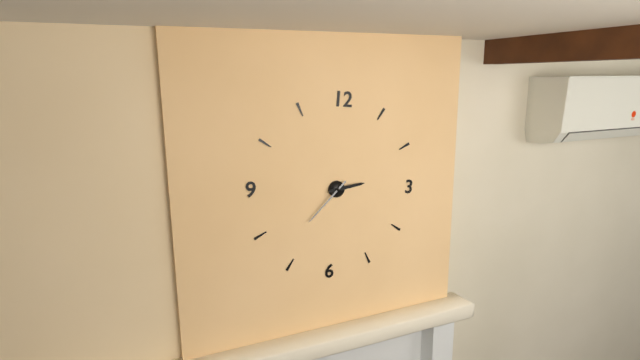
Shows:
{"hour": 2, "minute": 37}
